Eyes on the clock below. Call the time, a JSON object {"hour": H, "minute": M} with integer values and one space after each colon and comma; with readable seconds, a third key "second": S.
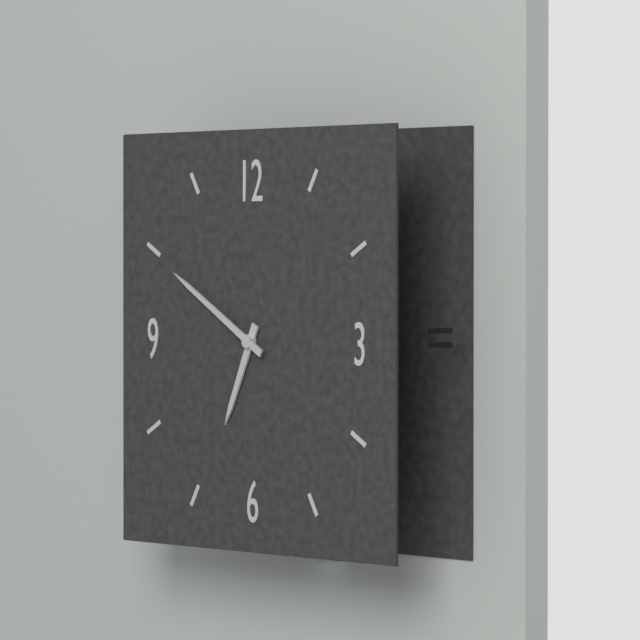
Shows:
{"hour": 6, "minute": 50}
